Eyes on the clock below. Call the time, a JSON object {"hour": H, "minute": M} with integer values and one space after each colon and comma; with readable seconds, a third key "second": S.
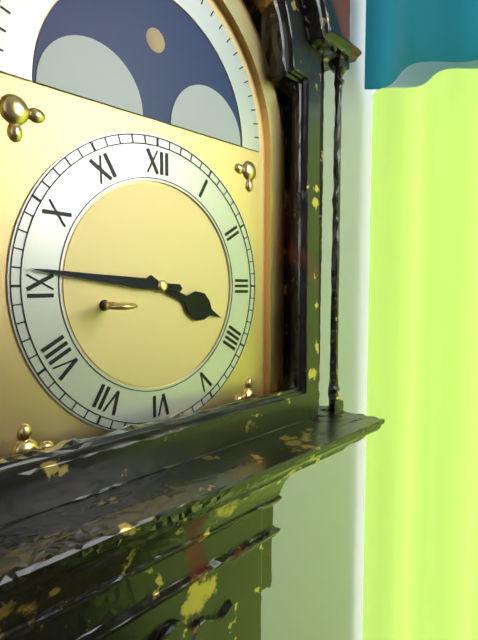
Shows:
{"hour": 3, "minute": 46}
